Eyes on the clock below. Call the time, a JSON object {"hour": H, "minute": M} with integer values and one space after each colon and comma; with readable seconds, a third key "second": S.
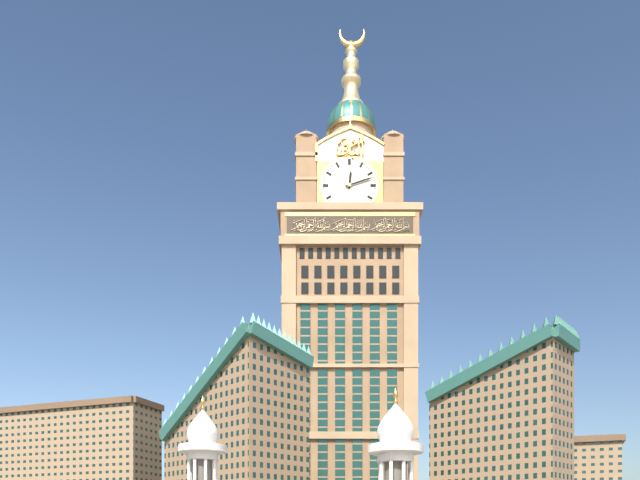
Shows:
{"hour": 12, "minute": 12}
